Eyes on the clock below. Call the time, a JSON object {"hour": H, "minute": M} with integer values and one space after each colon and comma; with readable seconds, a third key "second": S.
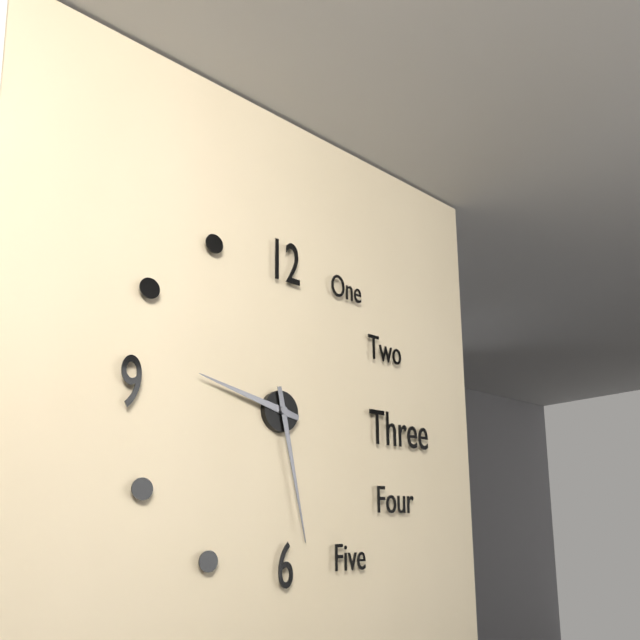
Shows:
{"hour": 9, "minute": 28}
